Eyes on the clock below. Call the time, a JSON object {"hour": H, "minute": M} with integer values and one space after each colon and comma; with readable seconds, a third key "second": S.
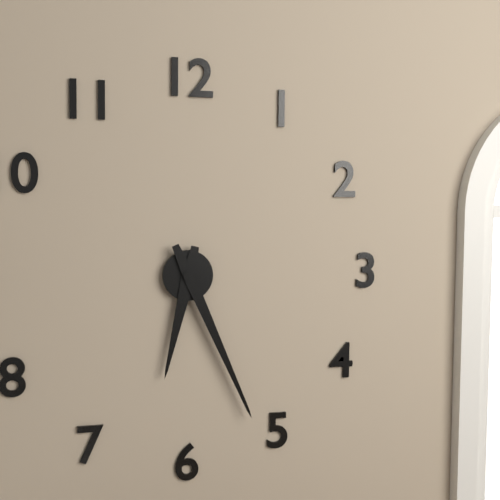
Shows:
{"hour": 6, "minute": 26}
